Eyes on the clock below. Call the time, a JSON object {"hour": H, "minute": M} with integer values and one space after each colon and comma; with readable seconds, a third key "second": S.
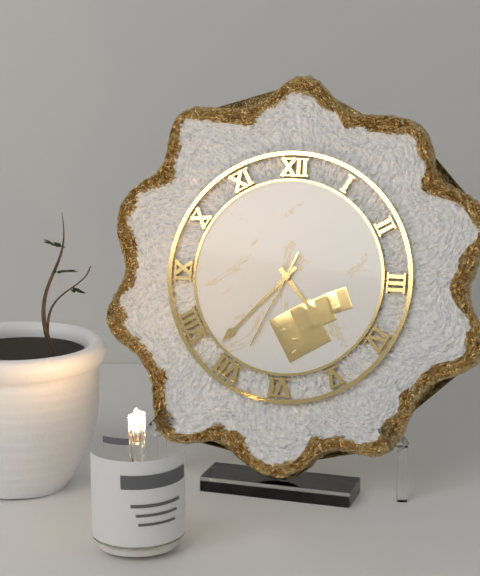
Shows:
{"hour": 4, "minute": 37, "second": 34}
